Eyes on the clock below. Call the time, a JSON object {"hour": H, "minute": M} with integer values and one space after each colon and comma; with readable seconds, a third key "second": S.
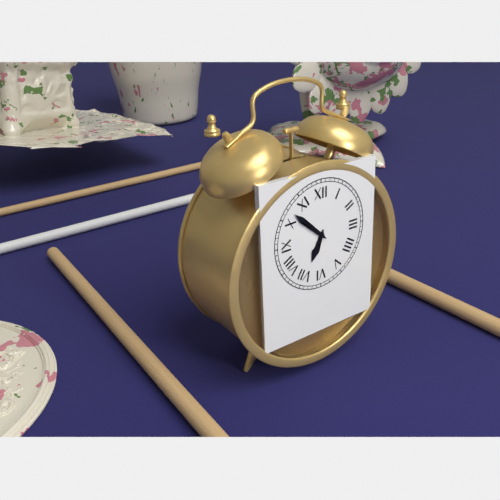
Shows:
{"hour": 6, "minute": 52}
